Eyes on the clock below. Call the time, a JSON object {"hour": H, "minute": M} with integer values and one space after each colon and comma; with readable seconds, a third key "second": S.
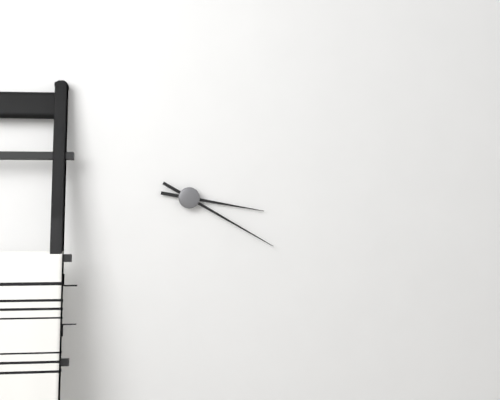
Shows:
{"hour": 3, "minute": 20}
